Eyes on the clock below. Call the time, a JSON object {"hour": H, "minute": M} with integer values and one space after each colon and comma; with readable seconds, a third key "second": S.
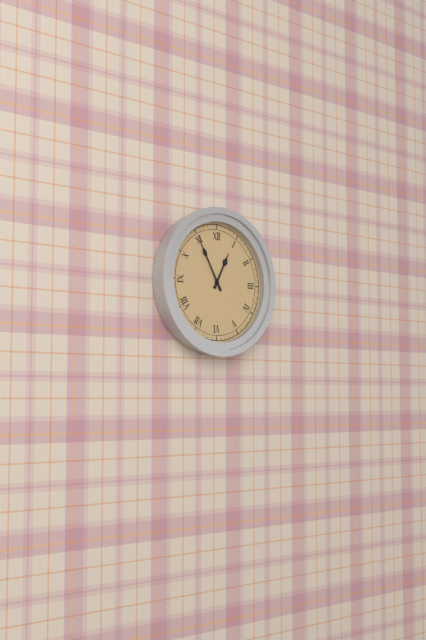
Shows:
{"hour": 12, "minute": 55}
